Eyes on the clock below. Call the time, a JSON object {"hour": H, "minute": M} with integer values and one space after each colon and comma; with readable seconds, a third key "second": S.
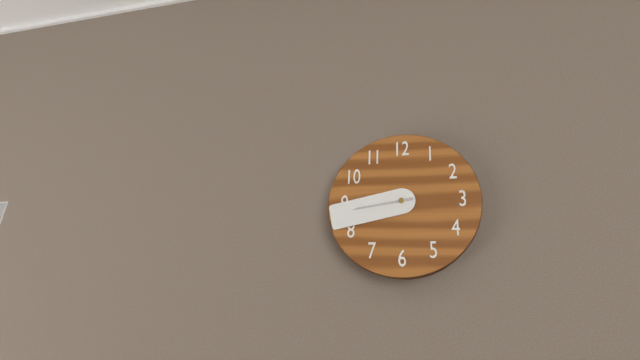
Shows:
{"hour": 8, "minute": 43}
